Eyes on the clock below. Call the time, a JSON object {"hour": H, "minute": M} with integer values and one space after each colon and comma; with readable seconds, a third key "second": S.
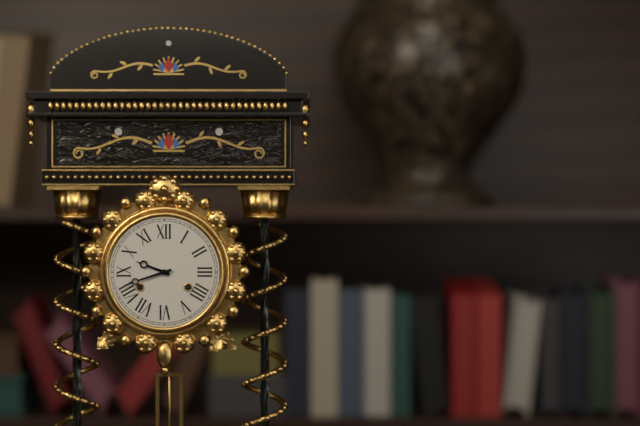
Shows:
{"hour": 9, "minute": 42}
